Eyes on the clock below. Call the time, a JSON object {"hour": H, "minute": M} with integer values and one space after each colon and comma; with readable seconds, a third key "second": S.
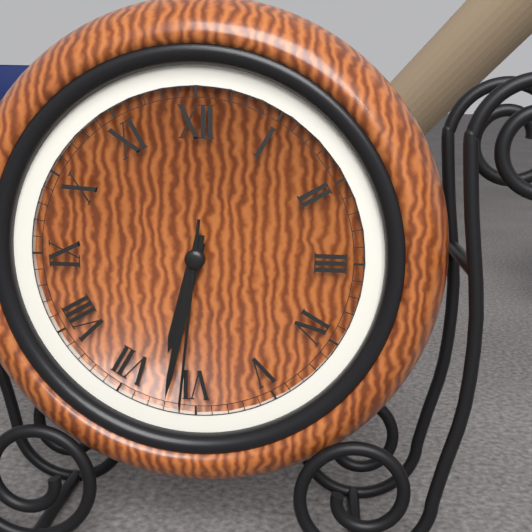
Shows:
{"hour": 6, "minute": 32, "second": 31}
